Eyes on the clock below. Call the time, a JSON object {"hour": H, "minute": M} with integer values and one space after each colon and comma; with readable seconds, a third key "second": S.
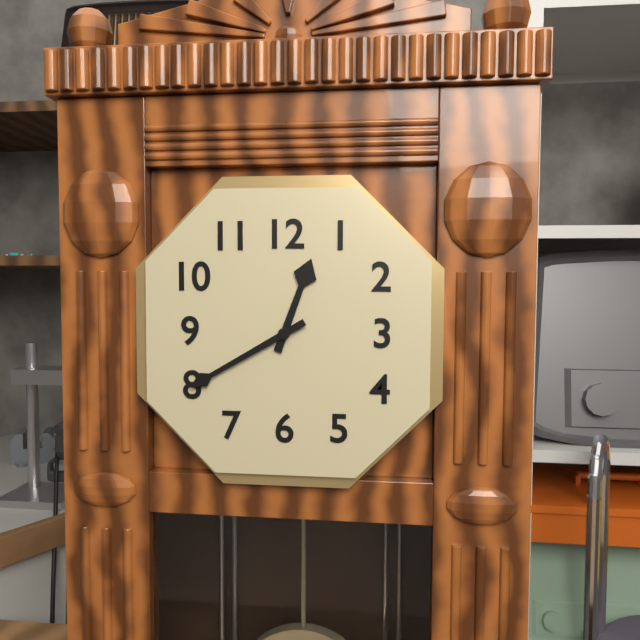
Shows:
{"hour": 12, "minute": 40}
